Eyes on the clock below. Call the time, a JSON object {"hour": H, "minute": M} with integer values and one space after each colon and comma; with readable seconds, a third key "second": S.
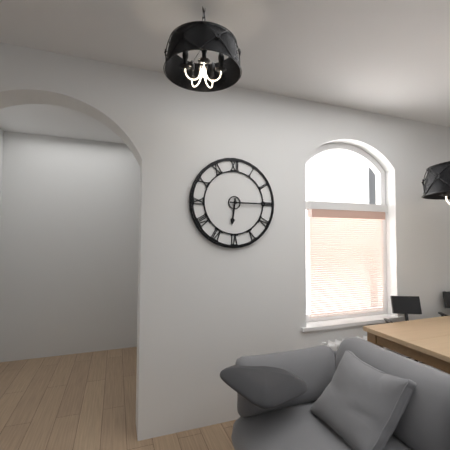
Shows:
{"hour": 6, "minute": 15}
